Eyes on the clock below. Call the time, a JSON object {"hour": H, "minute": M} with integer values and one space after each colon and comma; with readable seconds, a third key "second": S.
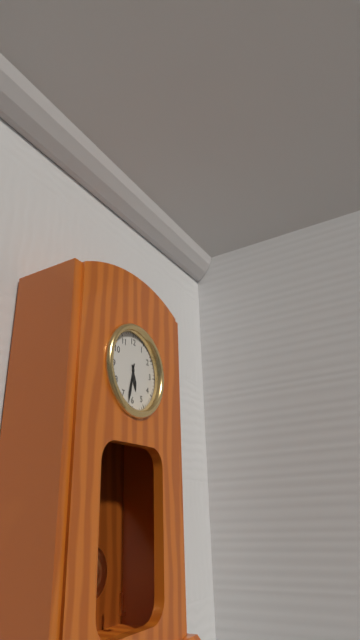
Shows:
{"hour": 5, "minute": 32}
